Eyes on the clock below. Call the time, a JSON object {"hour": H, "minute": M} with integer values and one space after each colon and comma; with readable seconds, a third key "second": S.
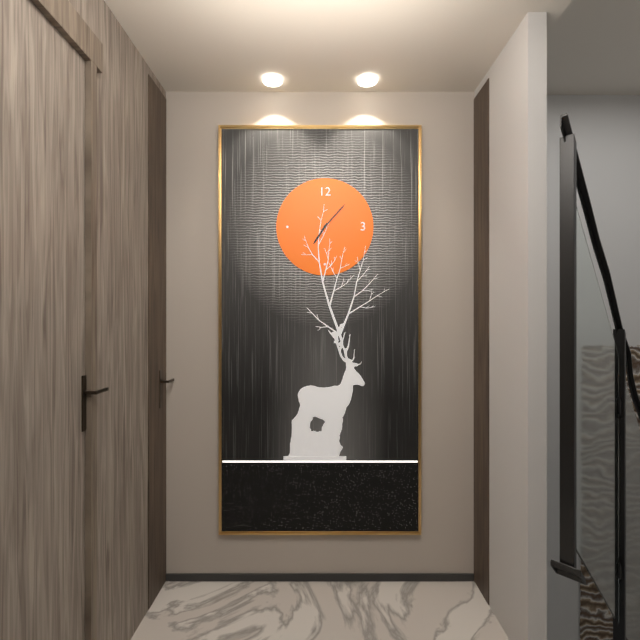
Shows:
{"hour": 7, "minute": 7}
